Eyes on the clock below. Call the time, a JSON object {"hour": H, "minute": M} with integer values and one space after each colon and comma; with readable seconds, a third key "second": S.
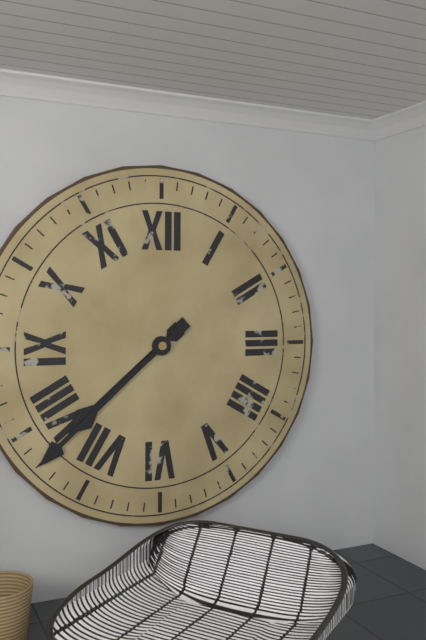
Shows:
{"hour": 7, "minute": 38}
